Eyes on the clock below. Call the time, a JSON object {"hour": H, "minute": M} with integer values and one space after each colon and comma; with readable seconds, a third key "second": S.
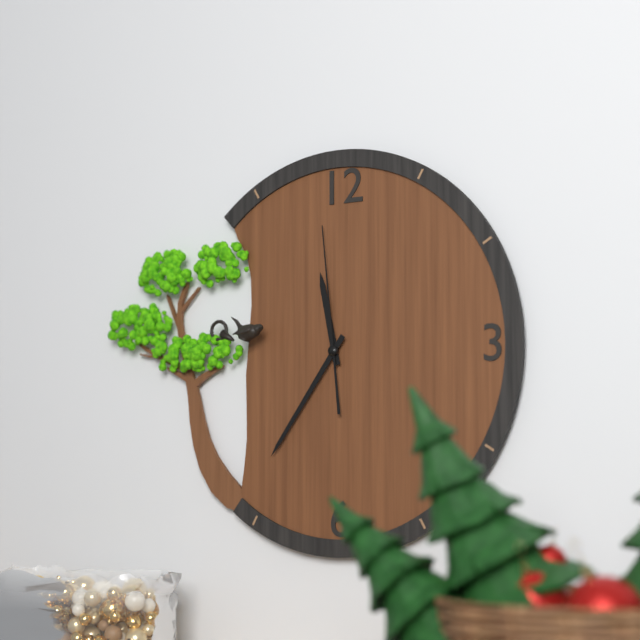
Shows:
{"hour": 11, "minute": 36, "second": 59}
